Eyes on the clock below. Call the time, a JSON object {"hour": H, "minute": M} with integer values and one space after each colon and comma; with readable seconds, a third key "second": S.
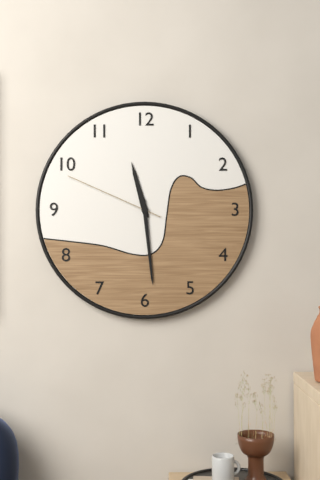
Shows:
{"hour": 11, "minute": 29, "second": 49}
